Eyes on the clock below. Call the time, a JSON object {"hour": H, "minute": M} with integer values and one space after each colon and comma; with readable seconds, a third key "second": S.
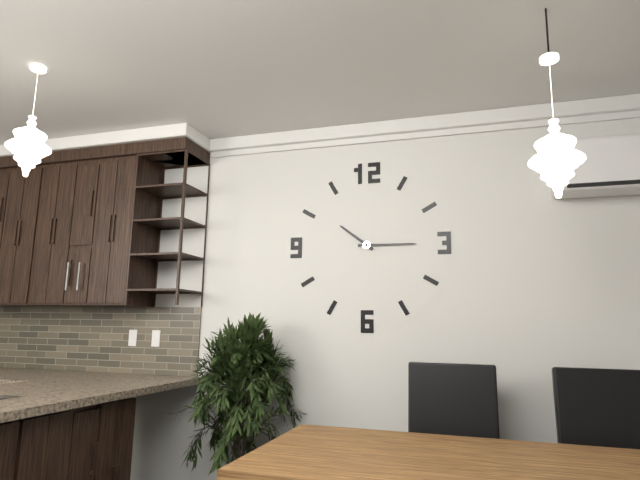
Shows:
{"hour": 10, "minute": 15}
